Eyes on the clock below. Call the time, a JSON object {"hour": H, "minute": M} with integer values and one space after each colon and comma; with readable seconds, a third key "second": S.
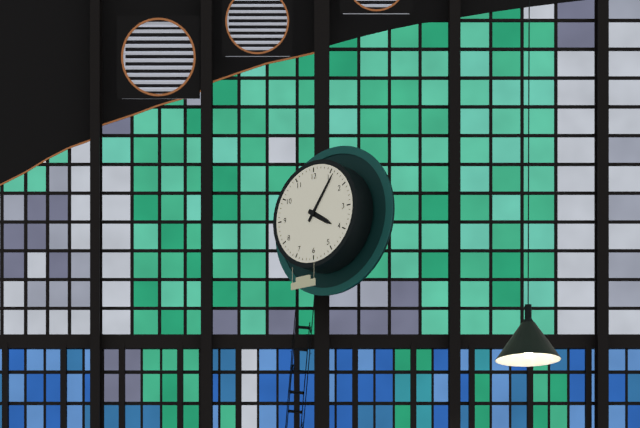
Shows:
{"hour": 4, "minute": 6}
